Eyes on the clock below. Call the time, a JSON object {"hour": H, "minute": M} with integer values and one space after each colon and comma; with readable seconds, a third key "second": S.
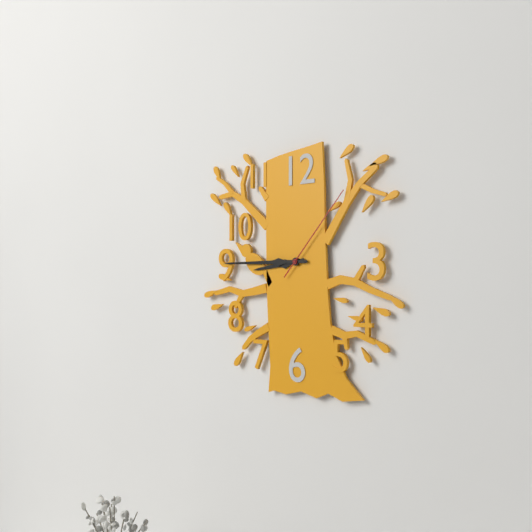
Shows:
{"hour": 8, "minute": 45, "second": 7}
